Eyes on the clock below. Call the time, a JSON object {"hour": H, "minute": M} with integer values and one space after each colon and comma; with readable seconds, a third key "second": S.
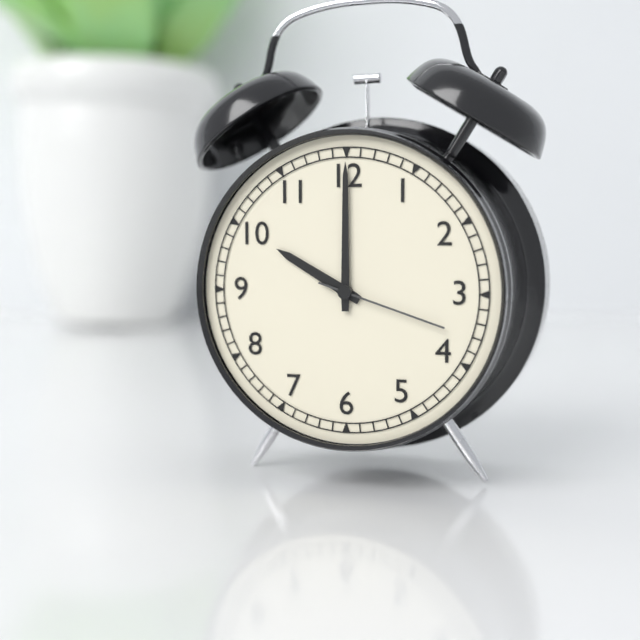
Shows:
{"hour": 10, "minute": 0, "second": 18}
